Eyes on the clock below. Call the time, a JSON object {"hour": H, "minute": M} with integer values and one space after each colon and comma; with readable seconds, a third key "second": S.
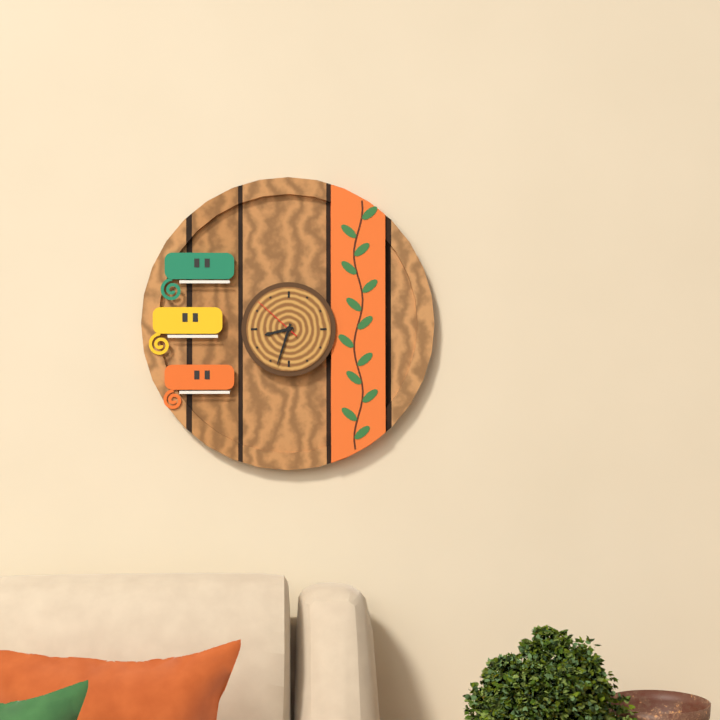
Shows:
{"hour": 8, "minute": 33, "second": 52}
